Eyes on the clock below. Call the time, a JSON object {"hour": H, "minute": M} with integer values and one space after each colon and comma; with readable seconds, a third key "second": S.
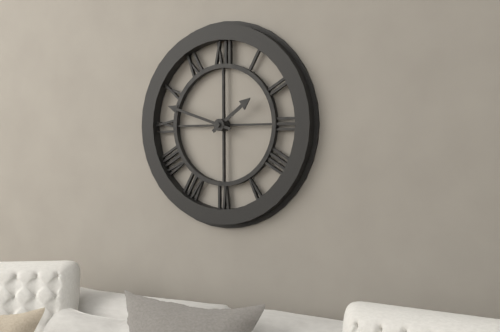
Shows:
{"hour": 1, "minute": 48}
